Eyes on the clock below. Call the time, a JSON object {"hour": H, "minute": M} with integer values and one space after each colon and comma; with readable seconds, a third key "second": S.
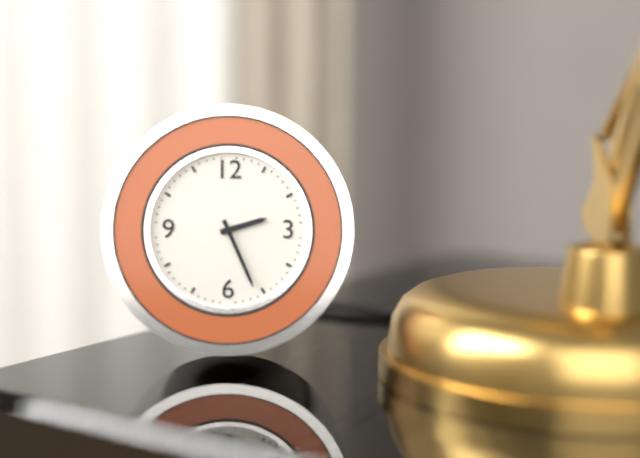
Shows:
{"hour": 2, "minute": 26}
